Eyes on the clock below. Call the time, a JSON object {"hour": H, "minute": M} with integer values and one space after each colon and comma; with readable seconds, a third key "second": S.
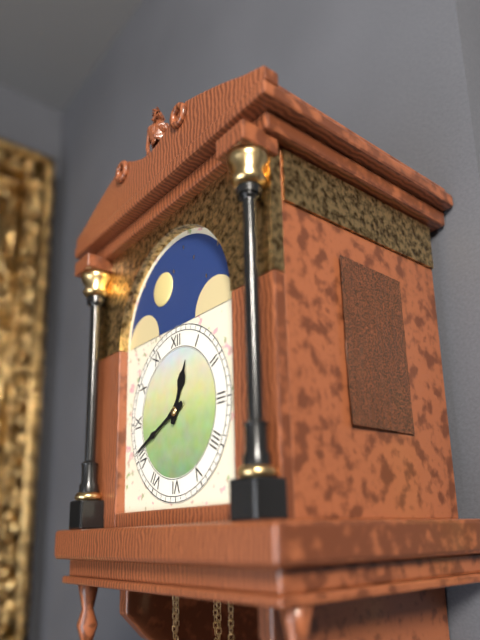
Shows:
{"hour": 12, "minute": 41}
